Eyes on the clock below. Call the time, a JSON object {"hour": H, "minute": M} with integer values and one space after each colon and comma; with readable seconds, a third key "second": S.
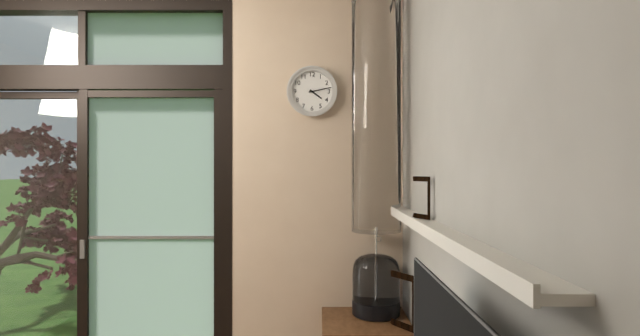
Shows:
{"hour": 4, "minute": 13}
